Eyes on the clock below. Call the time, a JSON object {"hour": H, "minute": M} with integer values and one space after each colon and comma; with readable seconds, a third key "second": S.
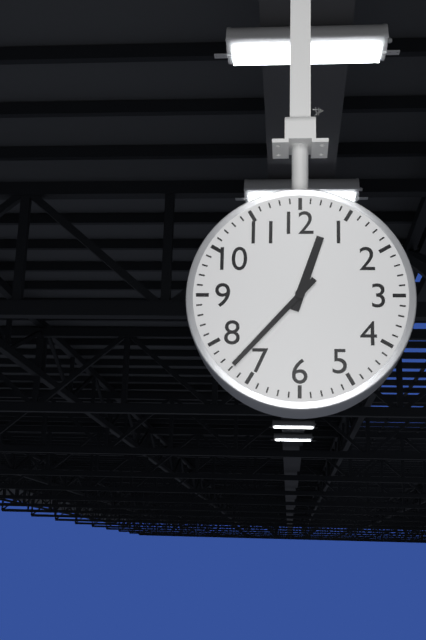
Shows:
{"hour": 12, "minute": 37}
